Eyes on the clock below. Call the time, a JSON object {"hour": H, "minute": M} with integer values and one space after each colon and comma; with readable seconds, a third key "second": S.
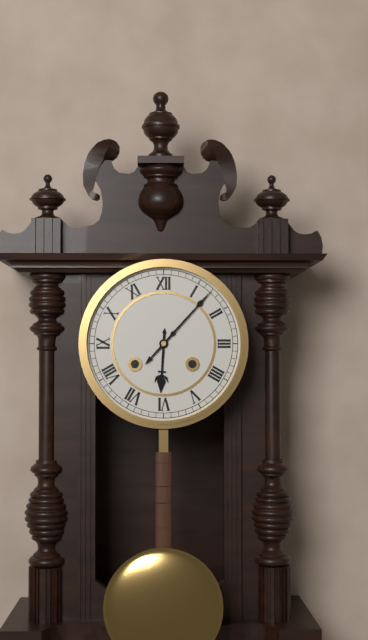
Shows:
{"hour": 6, "minute": 7}
